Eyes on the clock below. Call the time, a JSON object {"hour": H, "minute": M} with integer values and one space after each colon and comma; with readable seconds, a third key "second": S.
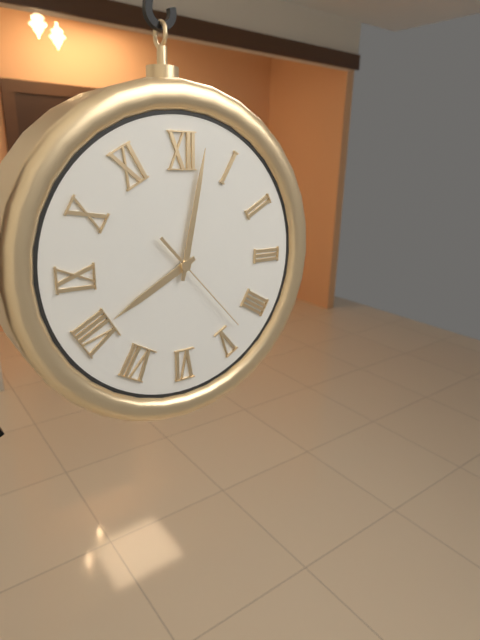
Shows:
{"hour": 8, "minute": 2, "second": 23}
